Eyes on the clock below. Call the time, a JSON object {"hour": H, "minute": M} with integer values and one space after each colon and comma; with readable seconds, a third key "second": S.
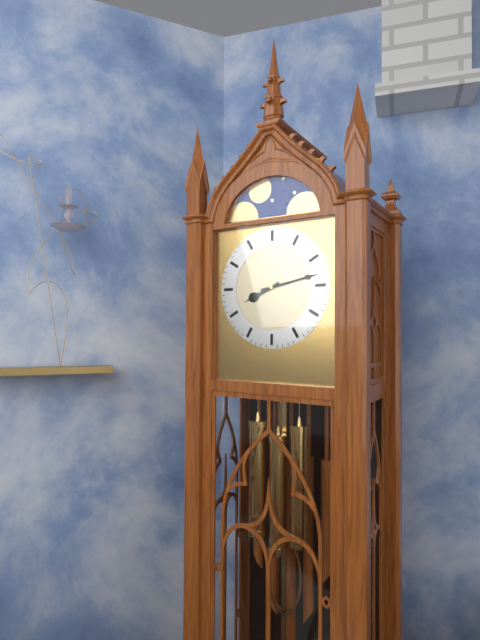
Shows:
{"hour": 8, "minute": 13}
